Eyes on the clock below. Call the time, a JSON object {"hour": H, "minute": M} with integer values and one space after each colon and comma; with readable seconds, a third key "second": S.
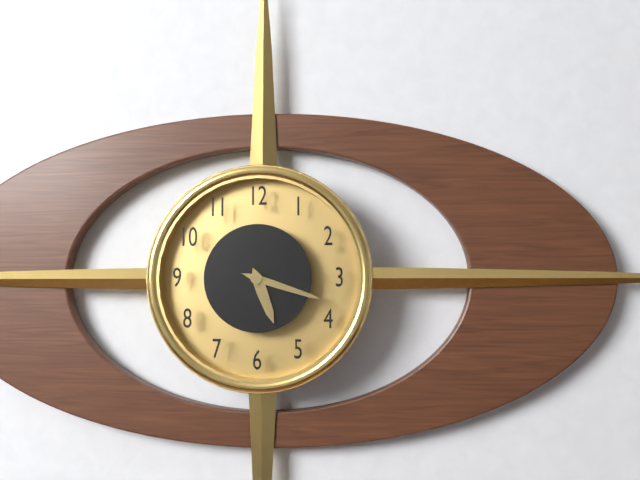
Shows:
{"hour": 5, "minute": 18}
